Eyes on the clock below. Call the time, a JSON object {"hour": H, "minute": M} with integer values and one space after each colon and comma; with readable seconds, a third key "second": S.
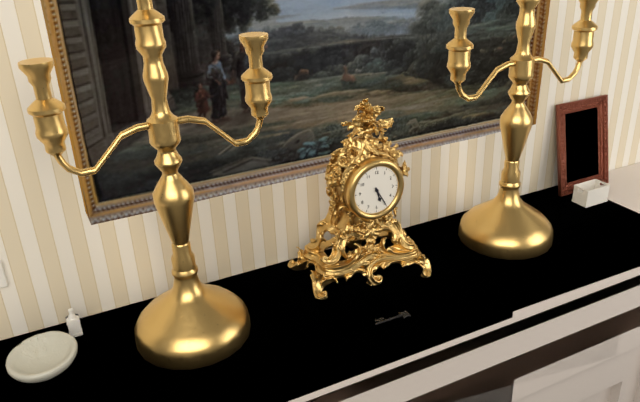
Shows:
{"hour": 5, "minute": 25}
